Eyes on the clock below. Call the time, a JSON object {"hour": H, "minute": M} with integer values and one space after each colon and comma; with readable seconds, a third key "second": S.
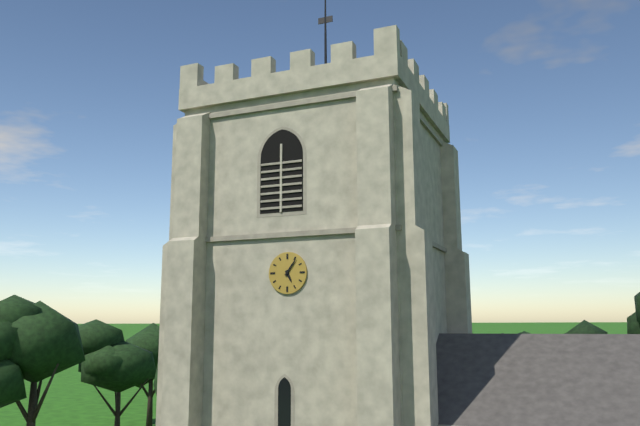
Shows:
{"hour": 5, "minute": 6}
